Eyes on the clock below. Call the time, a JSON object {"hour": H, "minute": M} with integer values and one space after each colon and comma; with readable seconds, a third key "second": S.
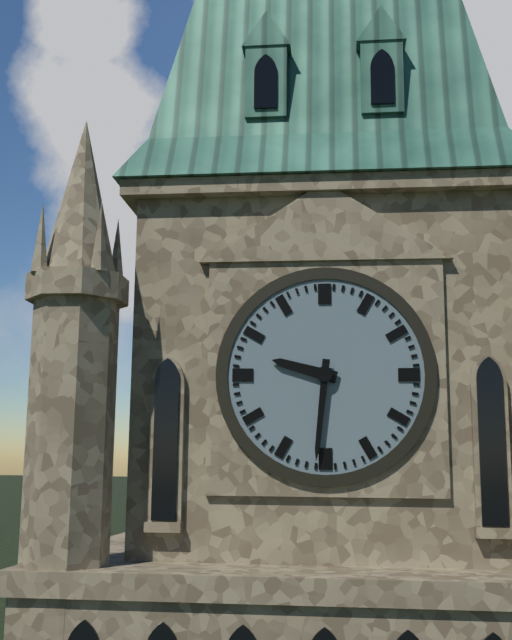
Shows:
{"hour": 9, "minute": 31}
